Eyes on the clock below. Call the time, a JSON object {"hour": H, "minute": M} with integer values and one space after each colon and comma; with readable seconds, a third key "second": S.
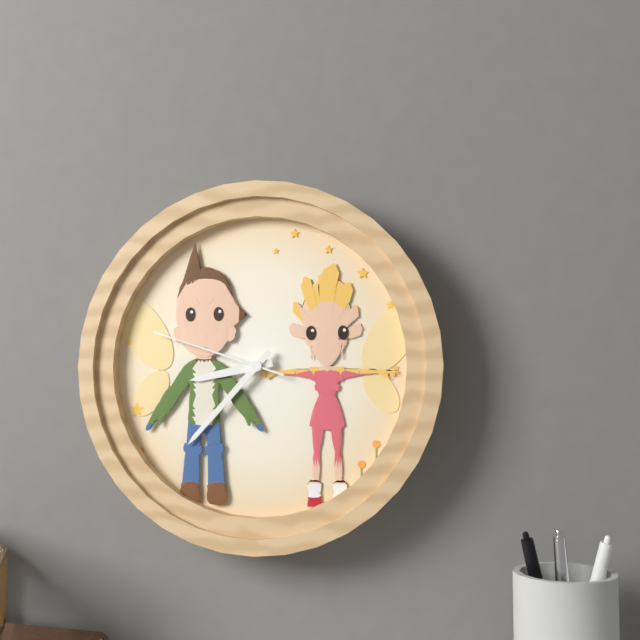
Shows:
{"hour": 8, "minute": 37, "second": 48}
